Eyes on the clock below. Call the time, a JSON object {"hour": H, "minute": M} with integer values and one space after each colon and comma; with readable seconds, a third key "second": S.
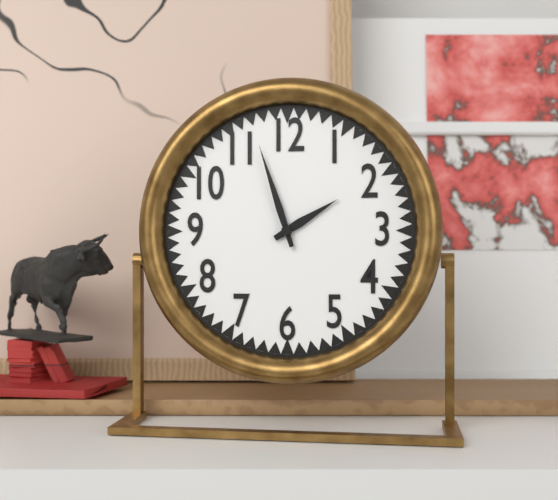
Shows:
{"hour": 1, "minute": 57}
